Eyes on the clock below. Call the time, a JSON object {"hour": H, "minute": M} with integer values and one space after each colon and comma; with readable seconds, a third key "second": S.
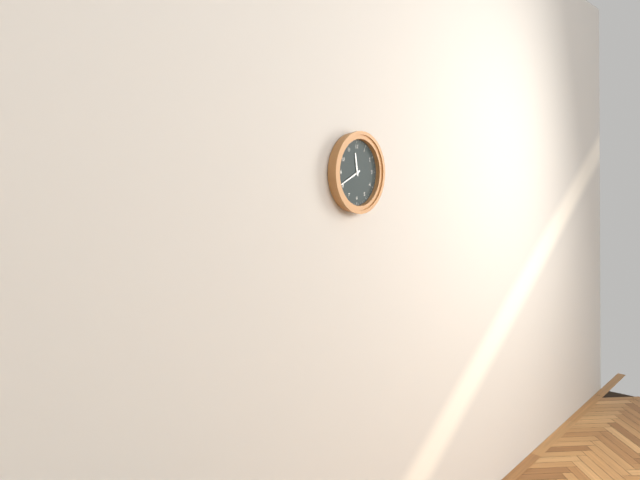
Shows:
{"hour": 11, "minute": 41}
